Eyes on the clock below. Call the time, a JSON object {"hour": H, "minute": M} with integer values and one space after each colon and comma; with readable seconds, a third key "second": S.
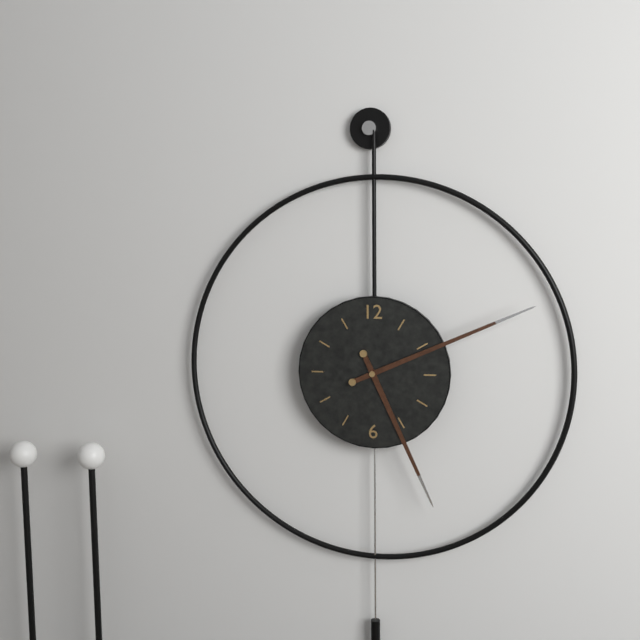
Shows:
{"hour": 5, "minute": 11}
